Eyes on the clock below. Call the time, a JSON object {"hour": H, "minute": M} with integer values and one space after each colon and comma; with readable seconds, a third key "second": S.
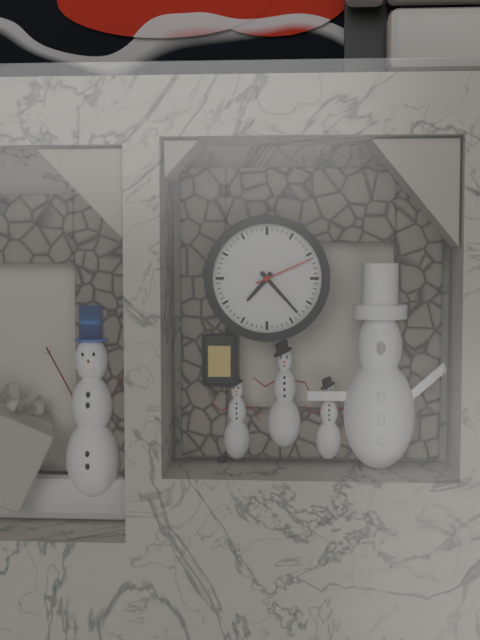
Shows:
{"hour": 7, "minute": 23, "second": 11}
